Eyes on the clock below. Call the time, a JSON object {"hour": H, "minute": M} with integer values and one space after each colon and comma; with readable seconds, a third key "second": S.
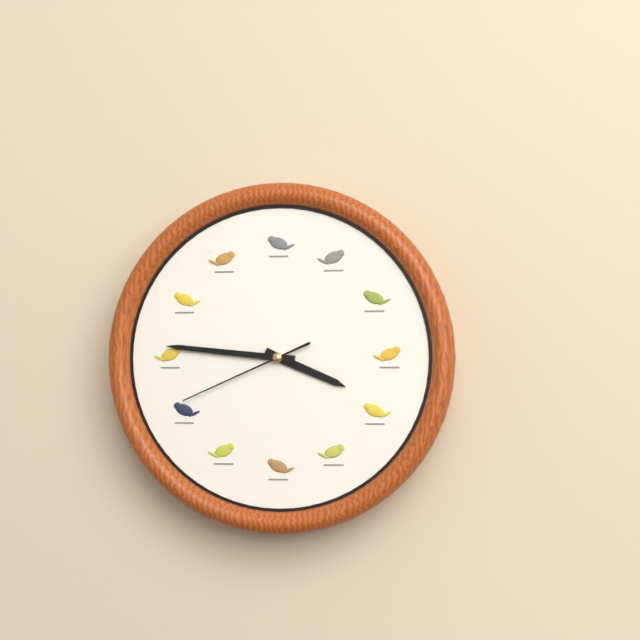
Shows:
{"hour": 3, "minute": 46, "second": 41}
